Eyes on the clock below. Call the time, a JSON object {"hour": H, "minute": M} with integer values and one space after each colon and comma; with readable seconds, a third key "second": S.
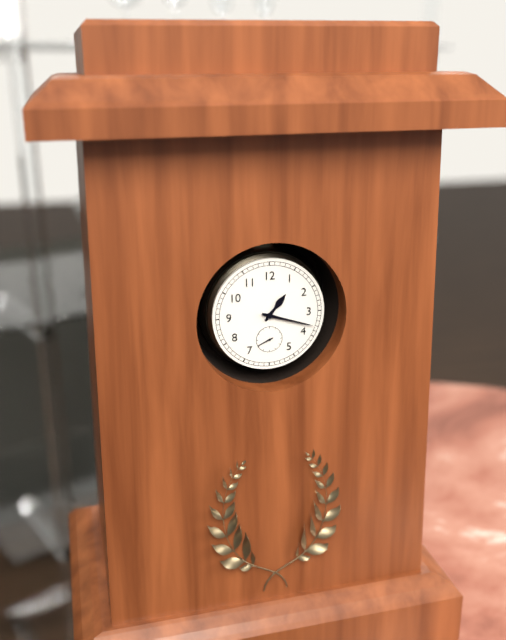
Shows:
{"hour": 1, "minute": 18}
